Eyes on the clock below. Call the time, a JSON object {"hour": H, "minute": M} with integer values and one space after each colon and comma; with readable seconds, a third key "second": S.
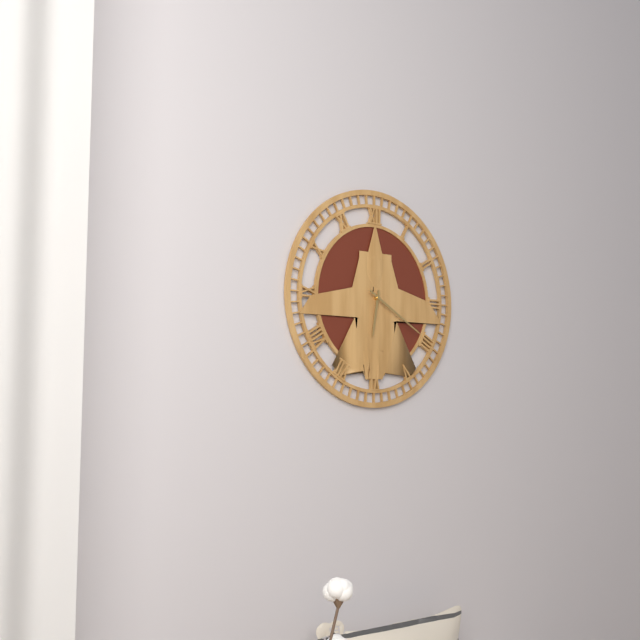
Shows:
{"hour": 6, "minute": 20}
